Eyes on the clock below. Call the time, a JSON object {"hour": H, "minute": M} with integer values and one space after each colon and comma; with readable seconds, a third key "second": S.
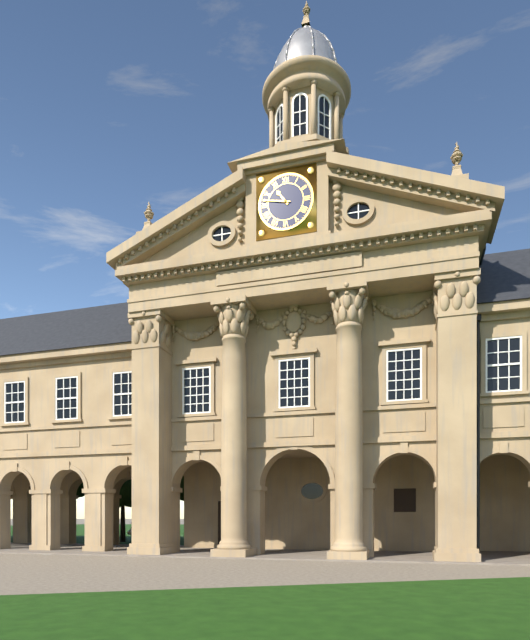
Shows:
{"hour": 10, "minute": 47}
